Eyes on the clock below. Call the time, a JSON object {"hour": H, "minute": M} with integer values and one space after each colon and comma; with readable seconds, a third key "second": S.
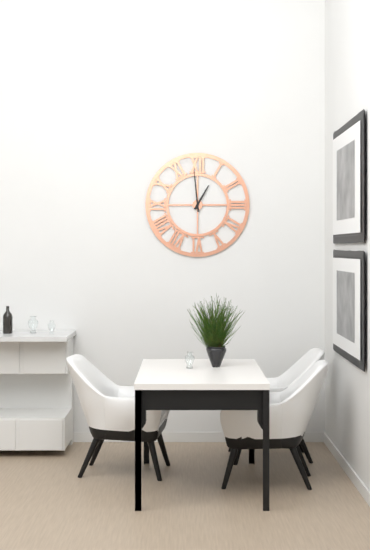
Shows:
{"hour": 12, "minute": 59}
